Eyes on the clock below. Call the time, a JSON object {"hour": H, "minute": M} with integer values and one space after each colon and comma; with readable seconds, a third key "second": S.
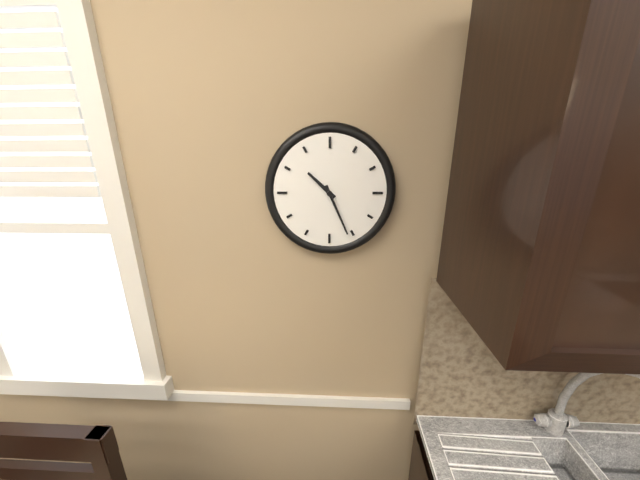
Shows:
{"hour": 10, "minute": 26}
